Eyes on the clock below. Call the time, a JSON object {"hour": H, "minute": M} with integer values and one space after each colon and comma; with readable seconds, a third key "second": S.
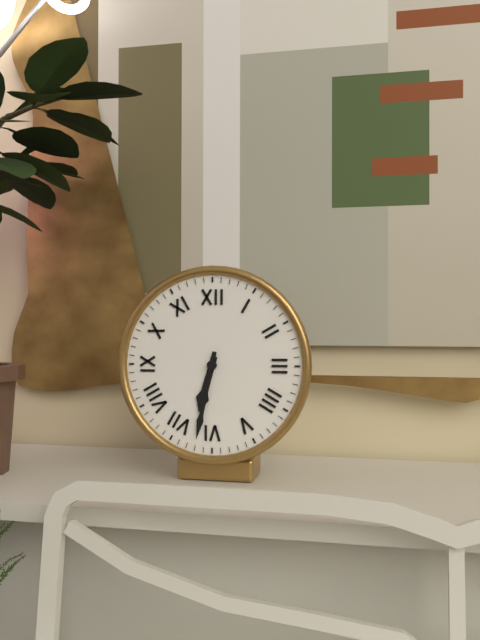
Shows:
{"hour": 6, "minute": 32}
